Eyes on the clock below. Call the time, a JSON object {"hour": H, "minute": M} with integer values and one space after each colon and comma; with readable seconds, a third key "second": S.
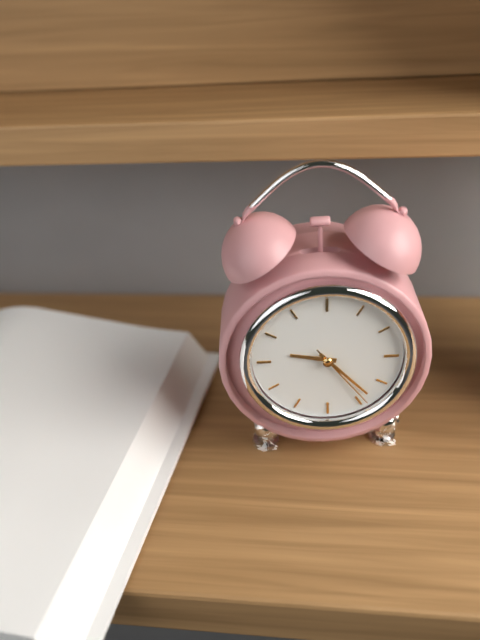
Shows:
{"hour": 9, "minute": 23, "second": 24}
